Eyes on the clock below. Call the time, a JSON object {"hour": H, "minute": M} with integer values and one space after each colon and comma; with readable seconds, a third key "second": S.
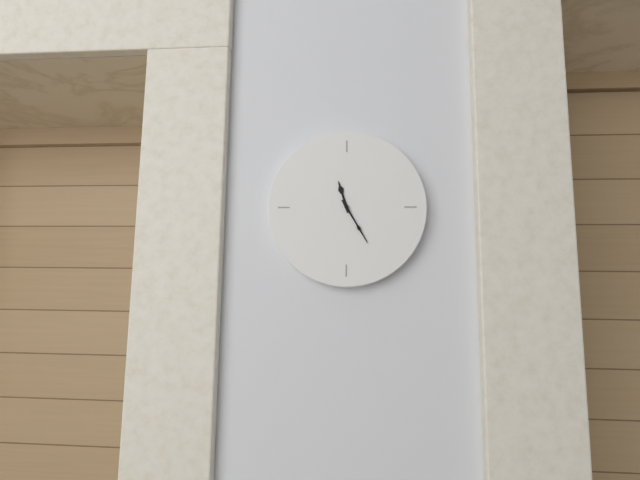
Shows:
{"hour": 11, "minute": 25}
